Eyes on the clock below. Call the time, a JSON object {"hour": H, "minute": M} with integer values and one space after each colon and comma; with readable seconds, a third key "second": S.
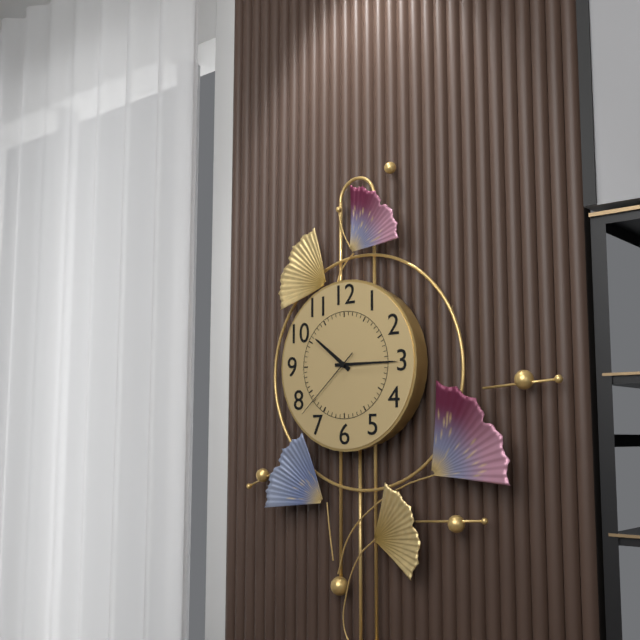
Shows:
{"hour": 10, "minute": 15, "second": 38}
